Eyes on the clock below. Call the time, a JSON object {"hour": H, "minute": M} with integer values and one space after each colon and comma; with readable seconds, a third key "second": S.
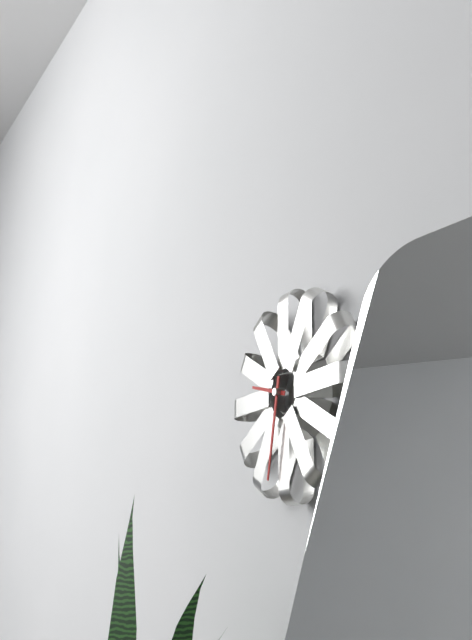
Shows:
{"hour": 9, "minute": 32}
